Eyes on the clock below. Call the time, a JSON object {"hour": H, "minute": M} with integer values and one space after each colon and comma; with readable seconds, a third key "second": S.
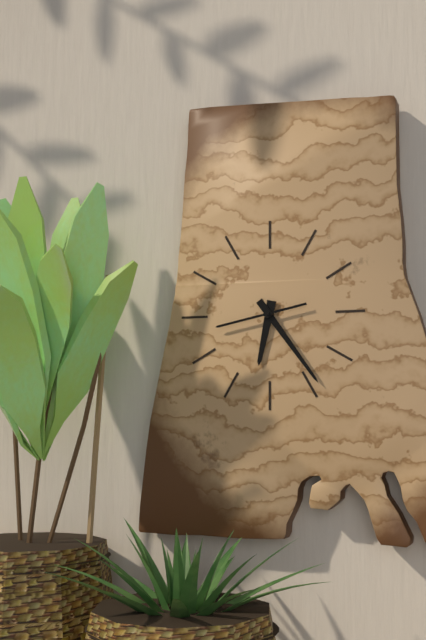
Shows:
{"hour": 6, "minute": 24, "second": 43}
